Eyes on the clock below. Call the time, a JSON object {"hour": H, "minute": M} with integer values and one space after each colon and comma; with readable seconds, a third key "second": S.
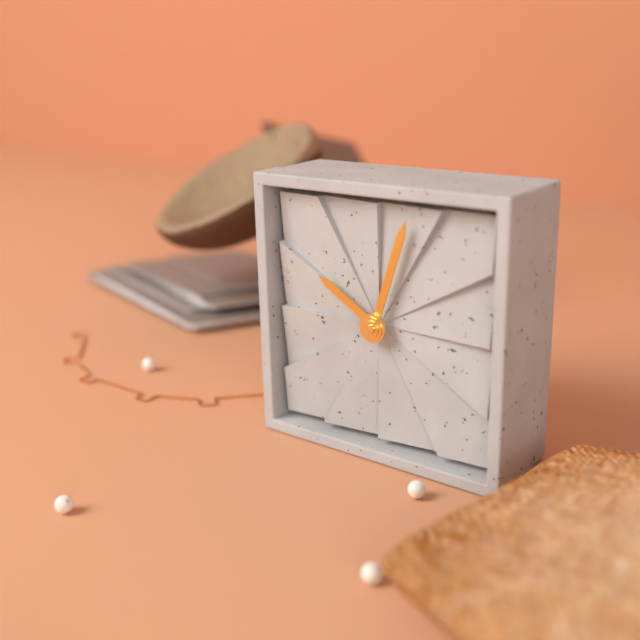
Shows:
{"hour": 10, "minute": 3}
